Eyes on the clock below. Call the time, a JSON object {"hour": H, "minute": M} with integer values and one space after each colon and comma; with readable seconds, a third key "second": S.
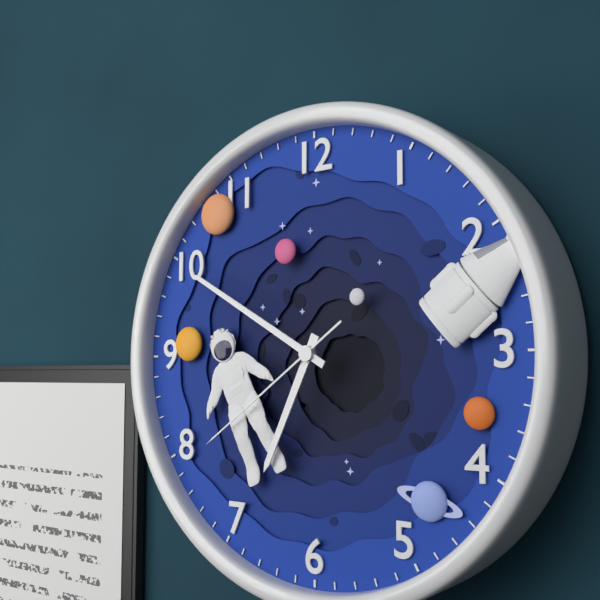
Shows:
{"hour": 6, "minute": 50, "second": 39}
